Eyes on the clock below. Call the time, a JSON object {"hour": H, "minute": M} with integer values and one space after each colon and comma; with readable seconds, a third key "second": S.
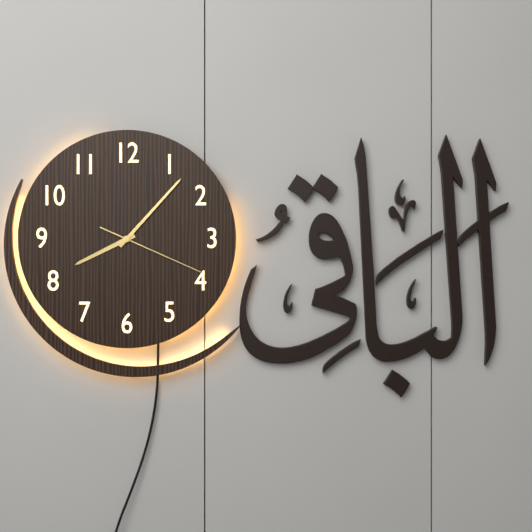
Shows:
{"hour": 8, "minute": 7, "second": 19}
